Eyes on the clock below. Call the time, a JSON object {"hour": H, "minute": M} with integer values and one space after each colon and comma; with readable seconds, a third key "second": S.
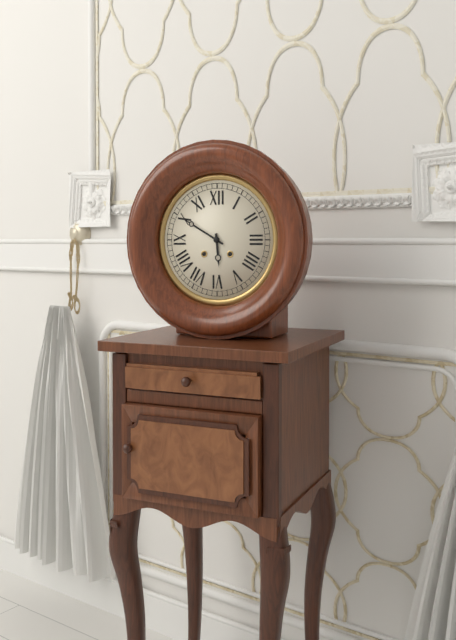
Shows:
{"hour": 5, "minute": 50}
